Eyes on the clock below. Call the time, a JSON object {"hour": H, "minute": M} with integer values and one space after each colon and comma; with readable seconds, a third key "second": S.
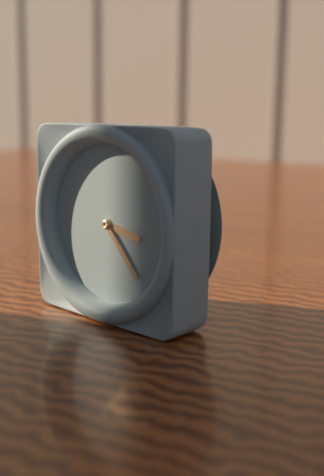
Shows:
{"hour": 3, "minute": 23}
